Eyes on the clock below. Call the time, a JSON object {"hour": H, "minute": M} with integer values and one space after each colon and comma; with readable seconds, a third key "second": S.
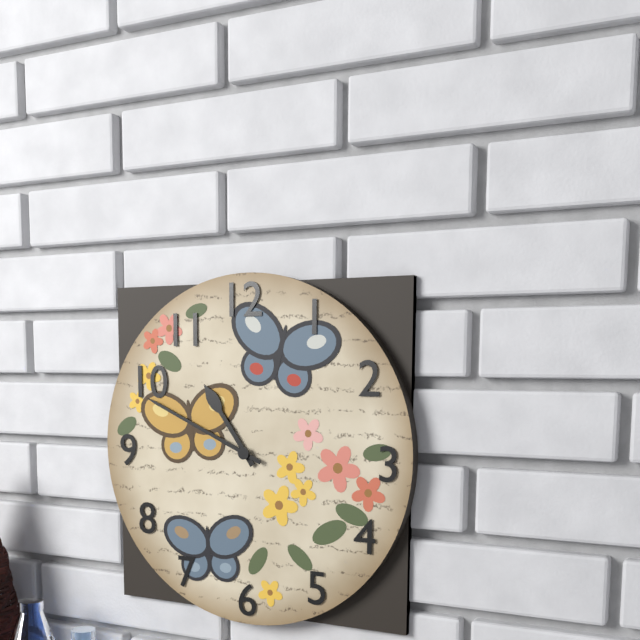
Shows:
{"hour": 10, "minute": 49}
